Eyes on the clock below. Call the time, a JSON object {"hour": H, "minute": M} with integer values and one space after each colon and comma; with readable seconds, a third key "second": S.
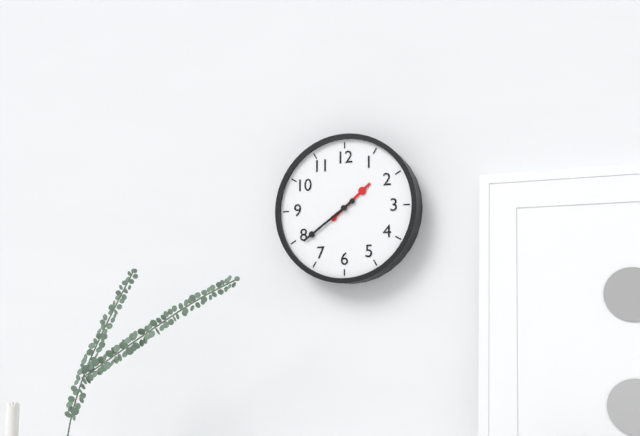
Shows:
{"hour": 1, "minute": 39}
